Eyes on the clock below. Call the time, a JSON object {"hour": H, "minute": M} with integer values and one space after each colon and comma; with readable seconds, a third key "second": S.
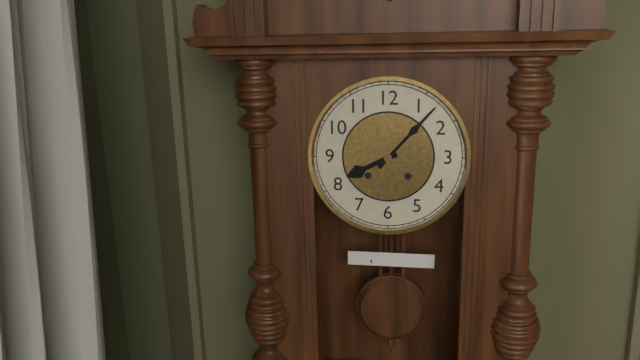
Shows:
{"hour": 8, "minute": 7}
